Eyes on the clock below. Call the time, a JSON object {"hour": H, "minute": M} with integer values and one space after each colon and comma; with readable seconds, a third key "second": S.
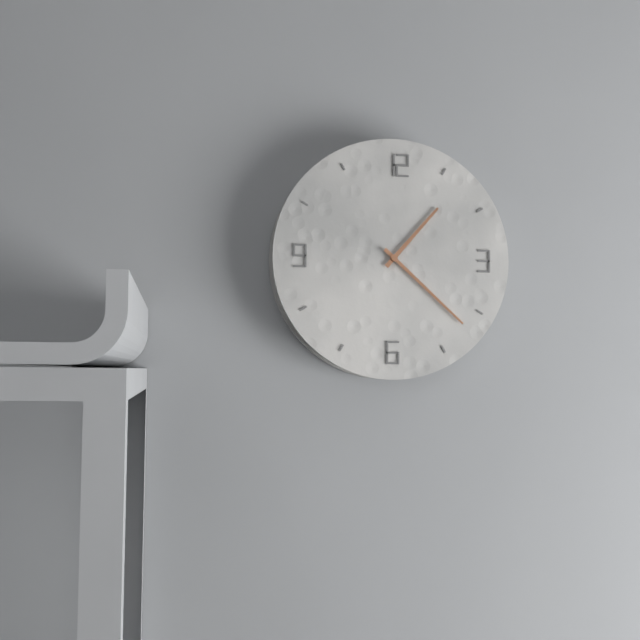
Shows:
{"hour": 1, "minute": 22}
